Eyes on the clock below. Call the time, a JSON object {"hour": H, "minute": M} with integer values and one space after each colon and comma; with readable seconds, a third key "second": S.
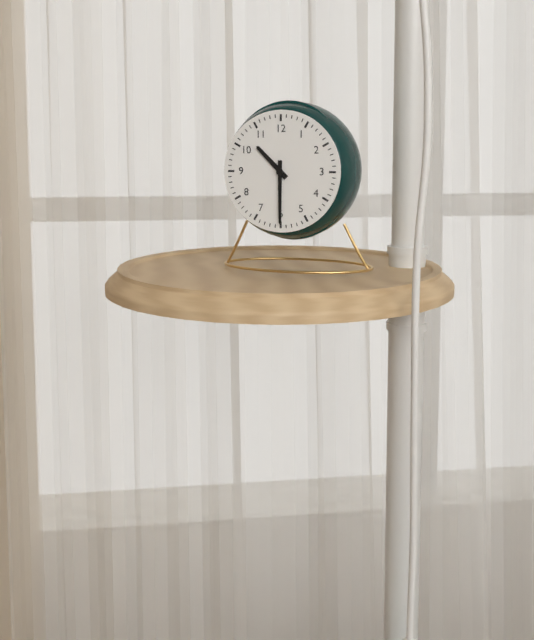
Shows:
{"hour": 10, "minute": 30}
